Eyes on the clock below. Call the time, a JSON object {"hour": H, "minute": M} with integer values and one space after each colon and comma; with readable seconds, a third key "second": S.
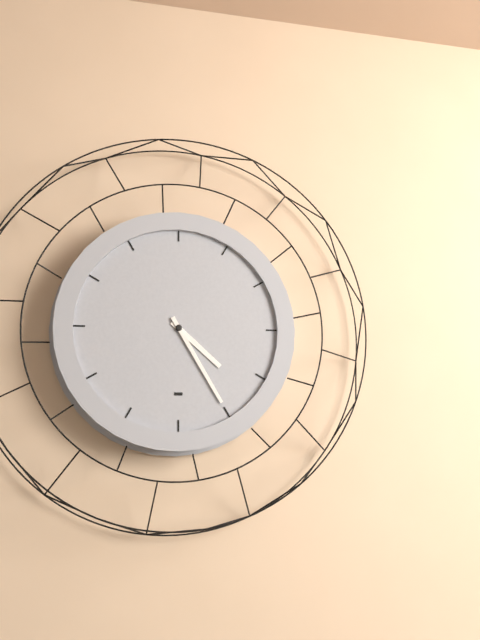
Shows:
{"hour": 4, "minute": 25}
